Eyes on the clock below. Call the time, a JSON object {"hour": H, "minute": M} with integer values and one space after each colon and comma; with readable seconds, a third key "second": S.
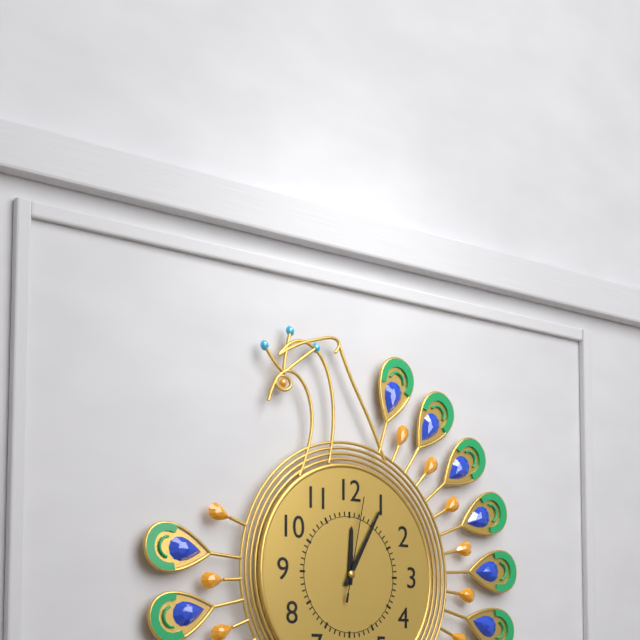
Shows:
{"hour": 12, "minute": 5, "second": 2}
